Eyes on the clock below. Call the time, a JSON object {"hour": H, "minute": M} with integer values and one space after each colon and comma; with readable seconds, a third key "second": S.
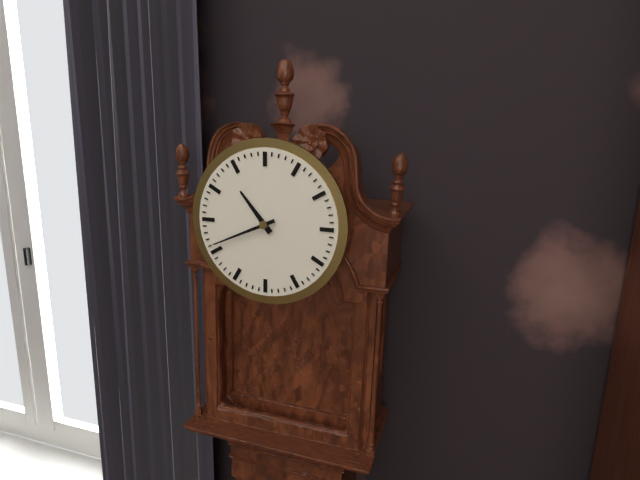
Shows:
{"hour": 10, "minute": 41}
